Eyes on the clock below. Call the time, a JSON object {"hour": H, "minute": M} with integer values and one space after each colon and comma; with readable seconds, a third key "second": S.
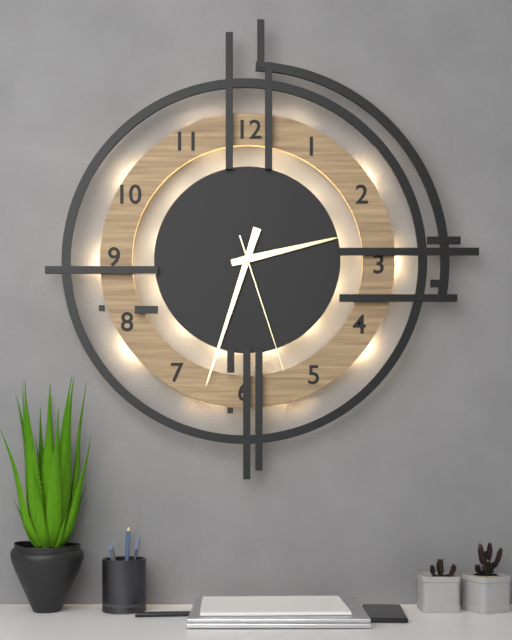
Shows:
{"hour": 2, "minute": 33, "second": 27}
